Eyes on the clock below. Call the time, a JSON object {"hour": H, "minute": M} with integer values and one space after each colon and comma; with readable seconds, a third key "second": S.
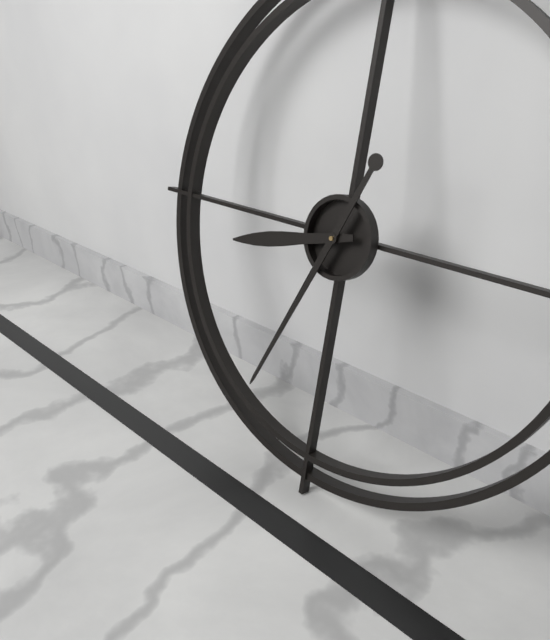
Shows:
{"hour": 8, "minute": 34}
